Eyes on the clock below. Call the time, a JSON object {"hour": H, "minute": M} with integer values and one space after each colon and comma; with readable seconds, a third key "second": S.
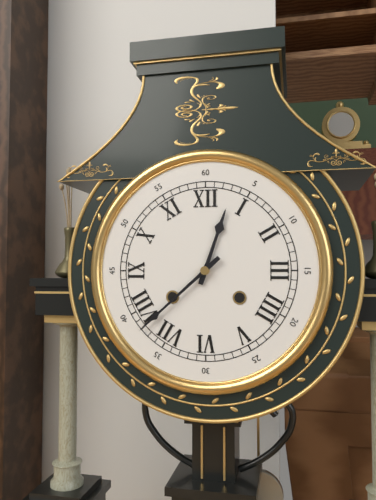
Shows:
{"hour": 12, "minute": 38}
